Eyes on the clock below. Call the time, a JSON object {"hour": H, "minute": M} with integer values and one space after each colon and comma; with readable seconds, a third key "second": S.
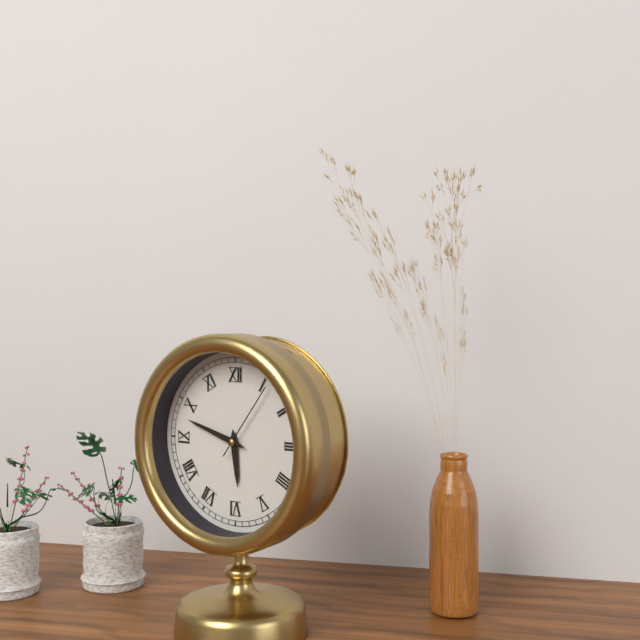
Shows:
{"hour": 5, "minute": 48, "second": 6}
